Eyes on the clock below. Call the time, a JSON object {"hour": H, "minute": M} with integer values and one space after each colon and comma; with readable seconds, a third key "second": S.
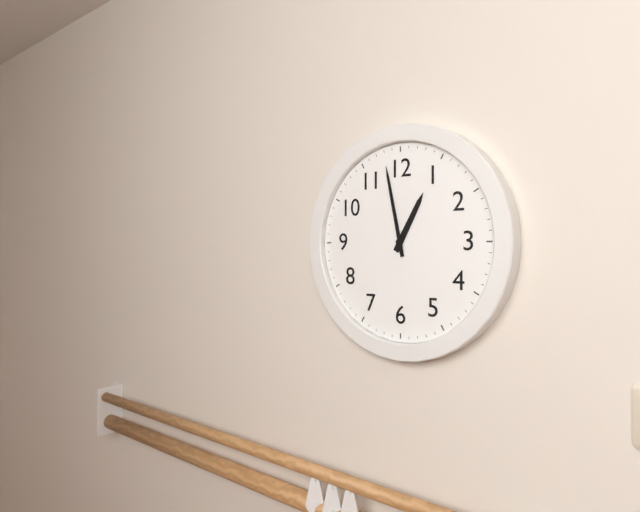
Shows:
{"hour": 12, "minute": 58}
